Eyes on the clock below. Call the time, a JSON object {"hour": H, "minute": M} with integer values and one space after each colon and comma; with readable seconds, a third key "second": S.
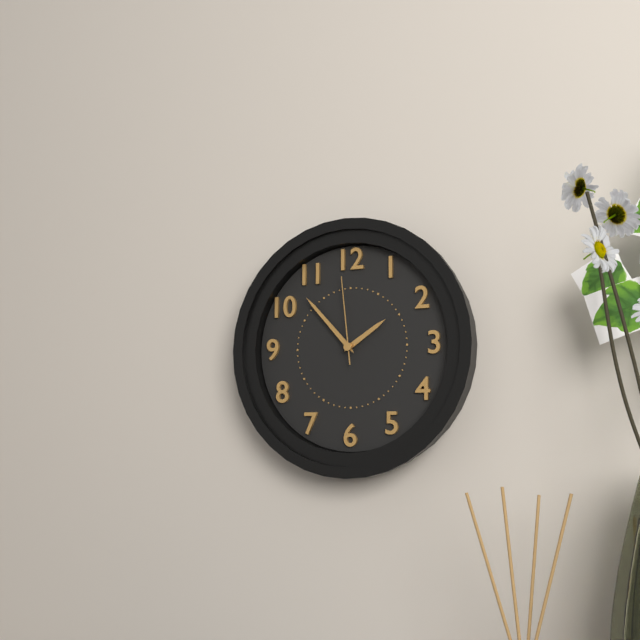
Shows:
{"hour": 1, "minute": 53, "second": 59}
